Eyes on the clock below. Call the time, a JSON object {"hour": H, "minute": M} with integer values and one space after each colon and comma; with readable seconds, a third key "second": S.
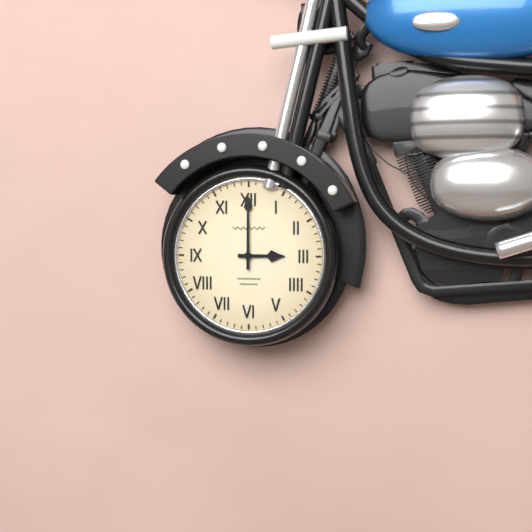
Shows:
{"hour": 3, "minute": 0}
